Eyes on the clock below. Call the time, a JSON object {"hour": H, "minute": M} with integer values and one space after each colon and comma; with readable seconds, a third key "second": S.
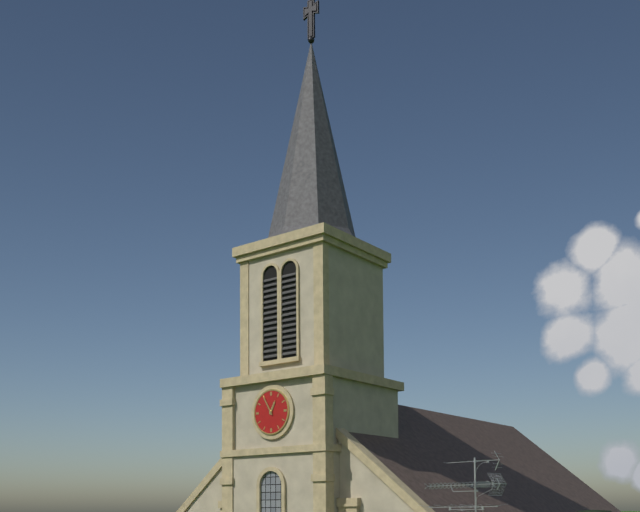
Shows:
{"hour": 12, "minute": 55}
